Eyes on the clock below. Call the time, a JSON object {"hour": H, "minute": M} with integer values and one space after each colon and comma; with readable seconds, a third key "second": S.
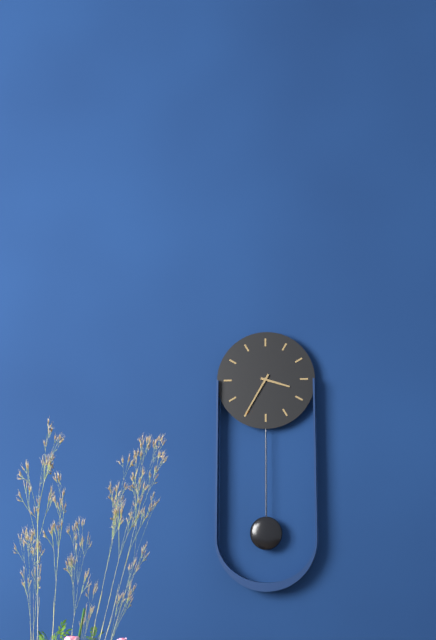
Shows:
{"hour": 3, "minute": 35}
